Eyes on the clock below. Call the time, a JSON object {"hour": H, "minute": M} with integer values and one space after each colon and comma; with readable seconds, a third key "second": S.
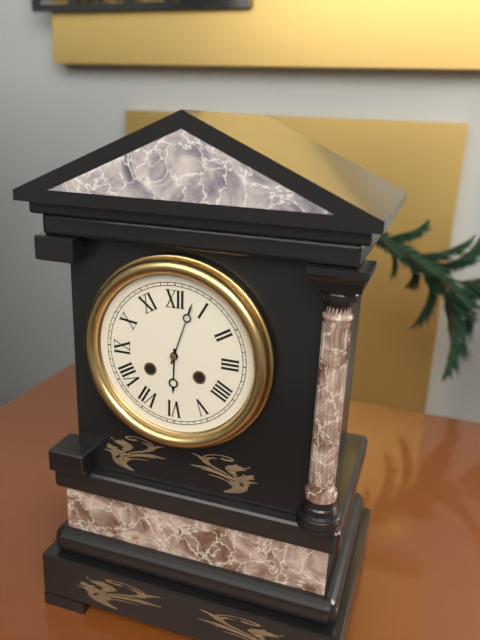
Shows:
{"hour": 6, "minute": 3}
